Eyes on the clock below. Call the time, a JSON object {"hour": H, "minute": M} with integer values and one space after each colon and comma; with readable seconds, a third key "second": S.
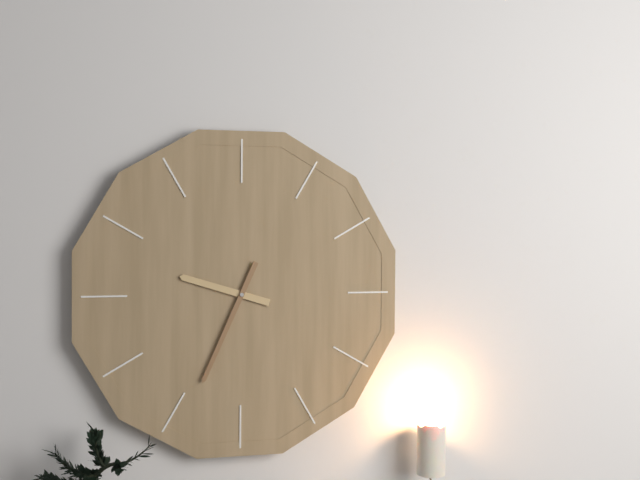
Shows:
{"hour": 9, "minute": 34}
